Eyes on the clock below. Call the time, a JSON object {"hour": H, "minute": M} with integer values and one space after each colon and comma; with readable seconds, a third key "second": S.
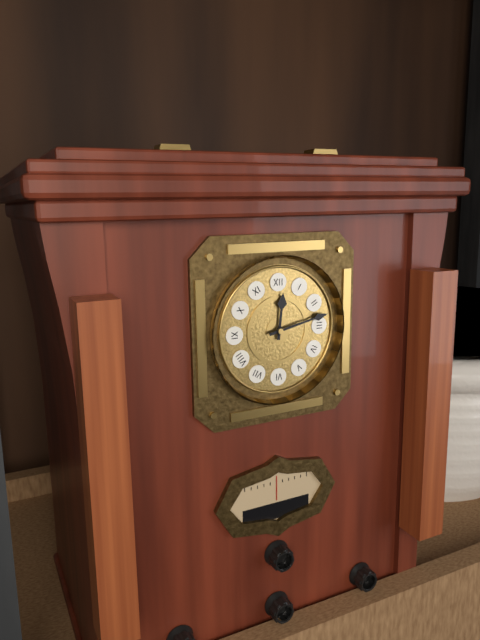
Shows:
{"hour": 12, "minute": 13}
